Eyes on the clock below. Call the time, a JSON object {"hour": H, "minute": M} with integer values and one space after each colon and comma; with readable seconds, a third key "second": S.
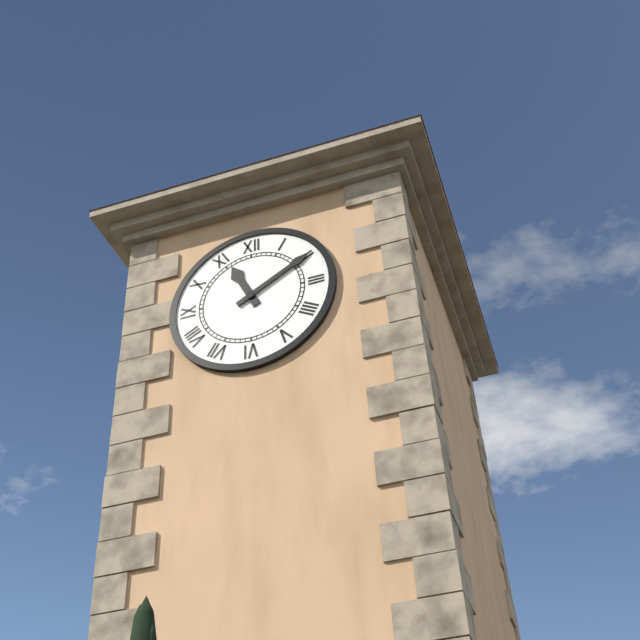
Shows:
{"hour": 11, "minute": 10}
